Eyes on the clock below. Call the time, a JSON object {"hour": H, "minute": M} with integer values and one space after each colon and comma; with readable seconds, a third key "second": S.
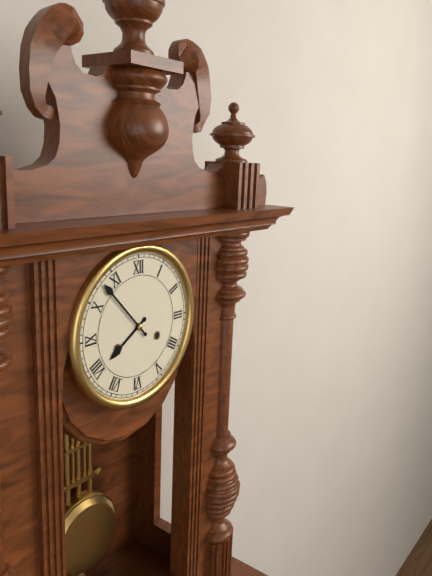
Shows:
{"hour": 7, "minute": 53}
